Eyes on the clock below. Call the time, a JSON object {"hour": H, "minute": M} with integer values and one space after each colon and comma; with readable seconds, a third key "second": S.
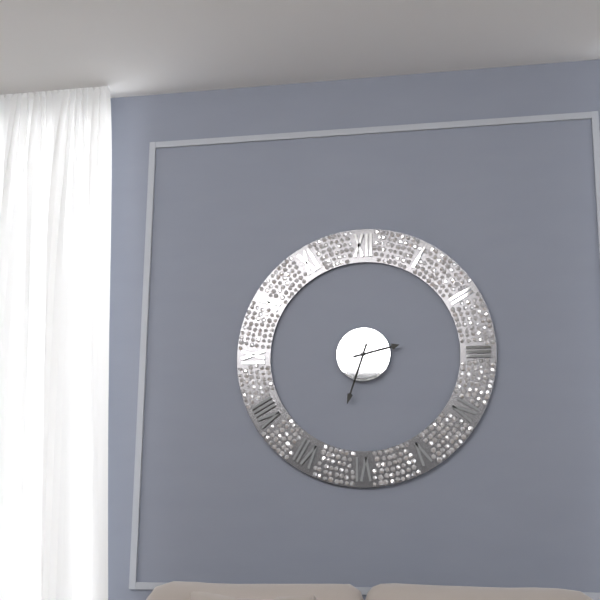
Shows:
{"hour": 2, "minute": 33}
